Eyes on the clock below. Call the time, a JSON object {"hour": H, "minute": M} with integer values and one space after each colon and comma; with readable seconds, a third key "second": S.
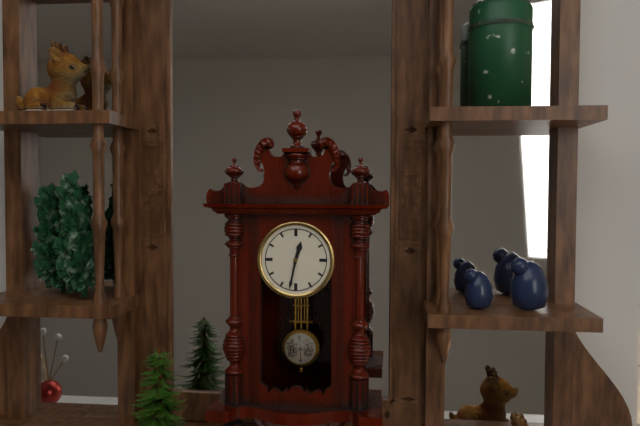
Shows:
{"hour": 12, "minute": 32}
